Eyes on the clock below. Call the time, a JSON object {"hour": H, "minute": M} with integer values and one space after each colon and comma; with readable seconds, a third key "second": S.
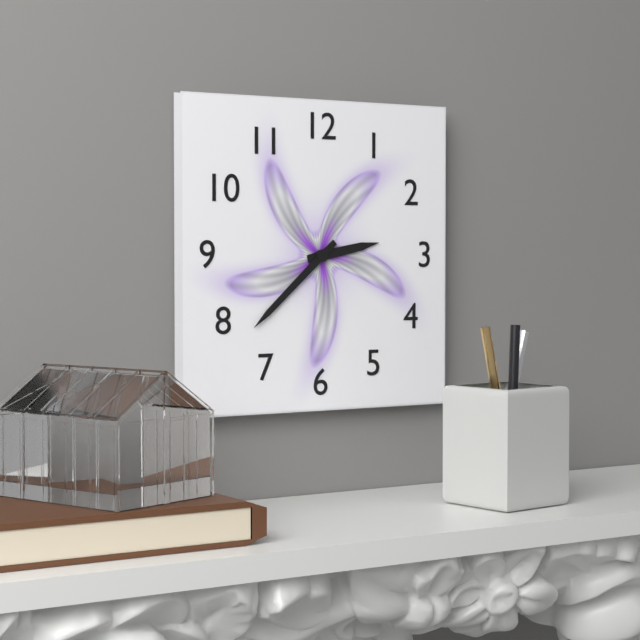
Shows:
{"hour": 2, "minute": 38}
